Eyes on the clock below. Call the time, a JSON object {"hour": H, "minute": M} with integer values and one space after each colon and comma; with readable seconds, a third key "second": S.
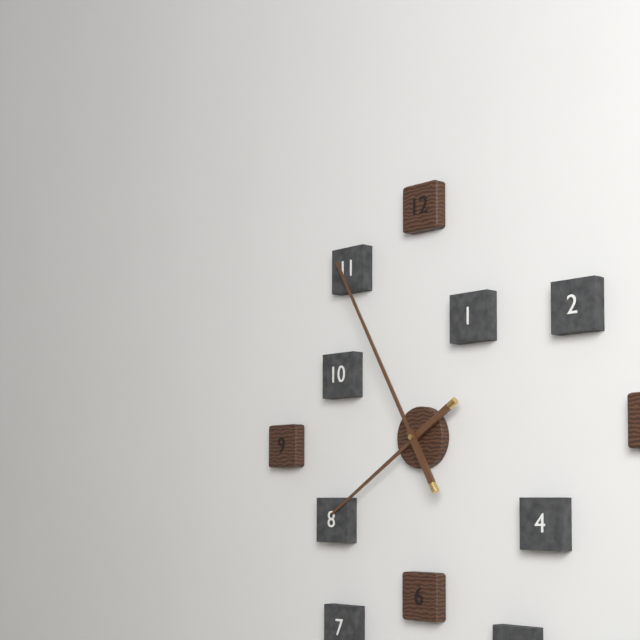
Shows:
{"hour": 7, "minute": 55}
